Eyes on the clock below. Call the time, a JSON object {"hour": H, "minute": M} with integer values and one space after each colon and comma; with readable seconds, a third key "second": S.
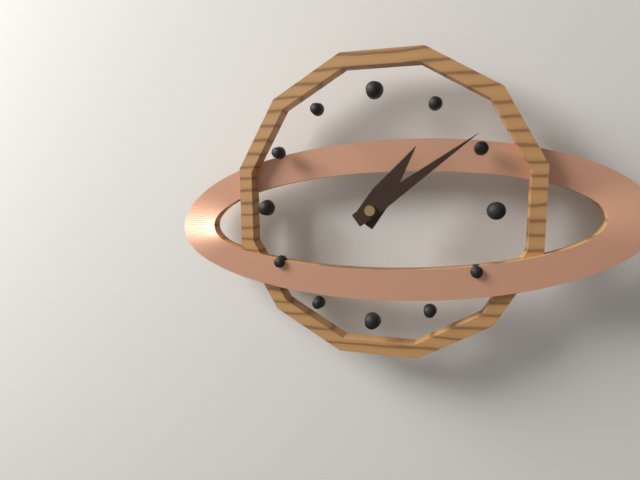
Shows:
{"hour": 1, "minute": 9}
